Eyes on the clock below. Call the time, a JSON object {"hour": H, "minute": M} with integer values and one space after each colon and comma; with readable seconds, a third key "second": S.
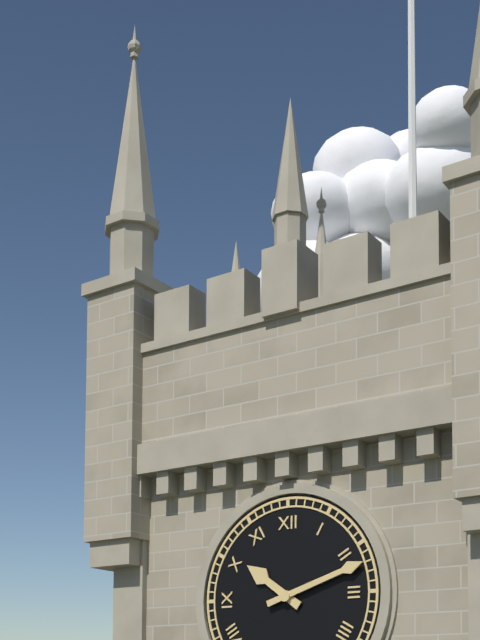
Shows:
{"hour": 10, "minute": 12}
